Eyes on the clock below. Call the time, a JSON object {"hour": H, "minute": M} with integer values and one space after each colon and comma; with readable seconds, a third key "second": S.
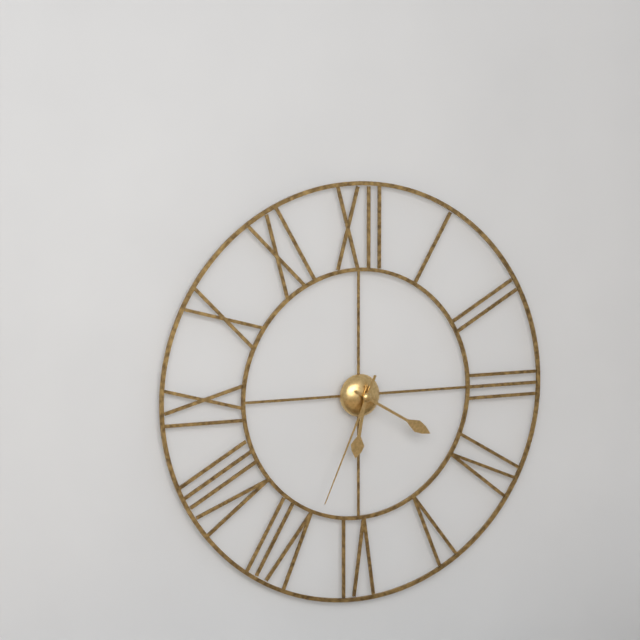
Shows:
{"hour": 6, "minute": 20, "second": 34}
